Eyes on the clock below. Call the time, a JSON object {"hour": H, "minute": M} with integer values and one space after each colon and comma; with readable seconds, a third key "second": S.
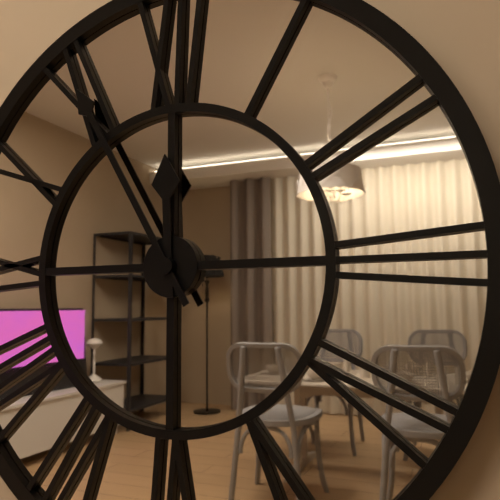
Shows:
{"hour": 11, "minute": 55}
